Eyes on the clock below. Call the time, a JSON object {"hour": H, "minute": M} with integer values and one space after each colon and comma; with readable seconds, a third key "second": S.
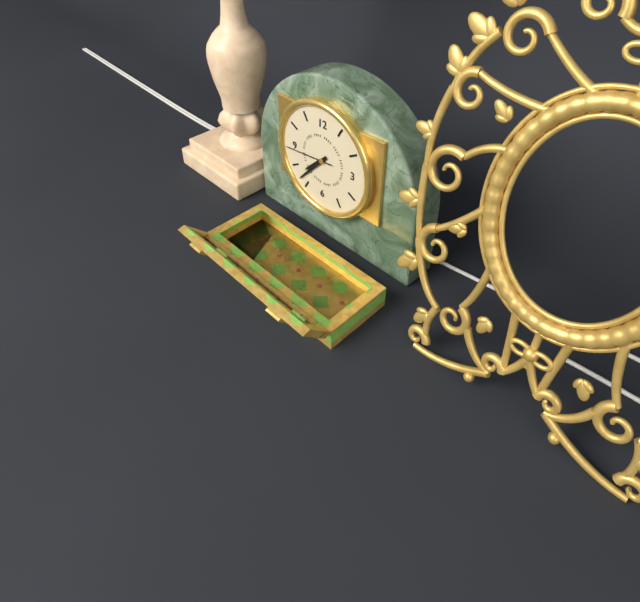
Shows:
{"hour": 7, "minute": 37}
